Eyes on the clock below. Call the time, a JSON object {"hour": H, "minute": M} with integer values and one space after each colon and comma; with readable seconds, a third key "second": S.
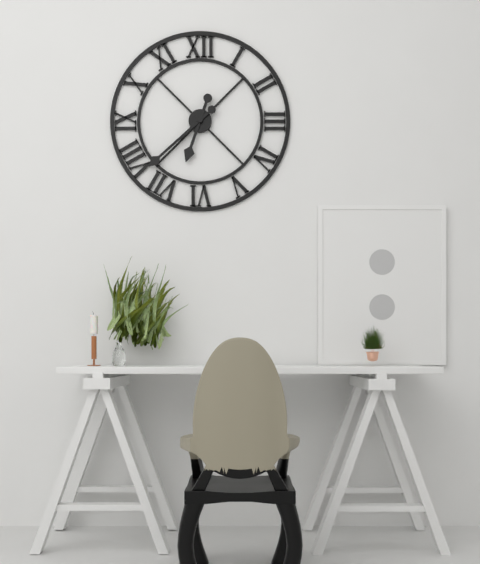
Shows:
{"hour": 6, "minute": 38}
